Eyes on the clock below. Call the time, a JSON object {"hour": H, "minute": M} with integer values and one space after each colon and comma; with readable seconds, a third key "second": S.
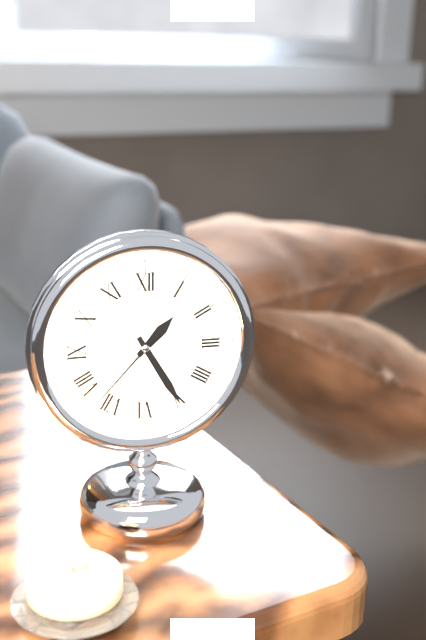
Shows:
{"hour": 1, "minute": 25, "second": 37}
